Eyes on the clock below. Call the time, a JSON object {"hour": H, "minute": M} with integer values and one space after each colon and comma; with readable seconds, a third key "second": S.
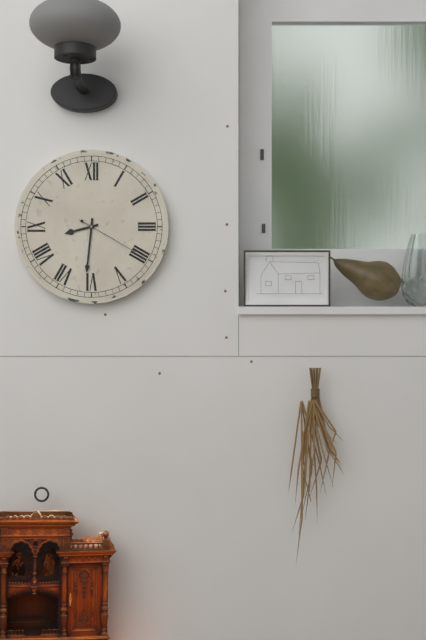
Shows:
{"hour": 8, "minute": 31, "second": 20}
